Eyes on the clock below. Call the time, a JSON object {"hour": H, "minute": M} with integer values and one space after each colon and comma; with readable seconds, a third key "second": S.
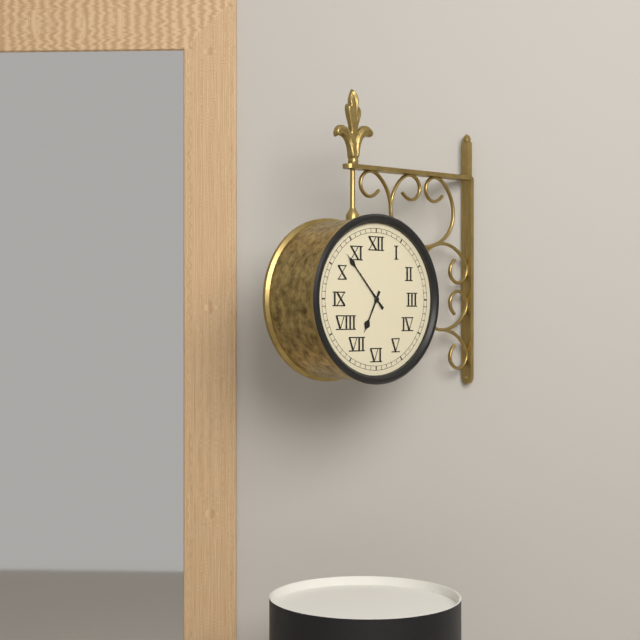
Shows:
{"hour": 6, "minute": 53}
